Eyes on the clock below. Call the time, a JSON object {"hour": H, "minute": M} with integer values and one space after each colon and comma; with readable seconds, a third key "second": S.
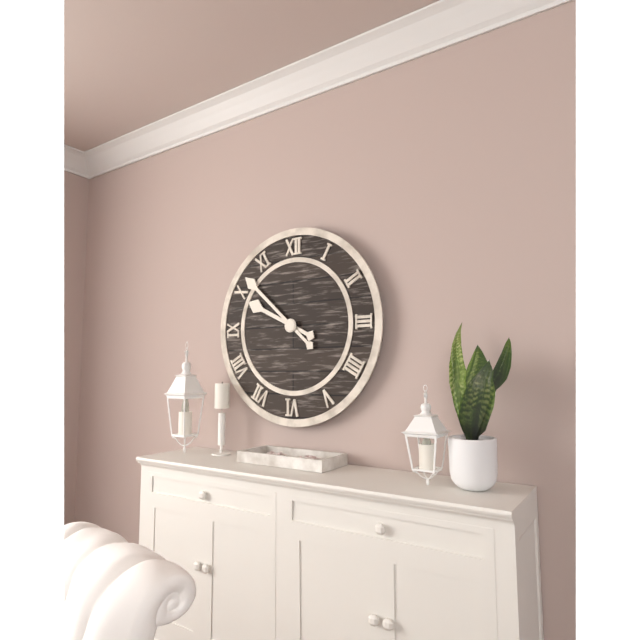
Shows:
{"hour": 9, "minute": 52}
